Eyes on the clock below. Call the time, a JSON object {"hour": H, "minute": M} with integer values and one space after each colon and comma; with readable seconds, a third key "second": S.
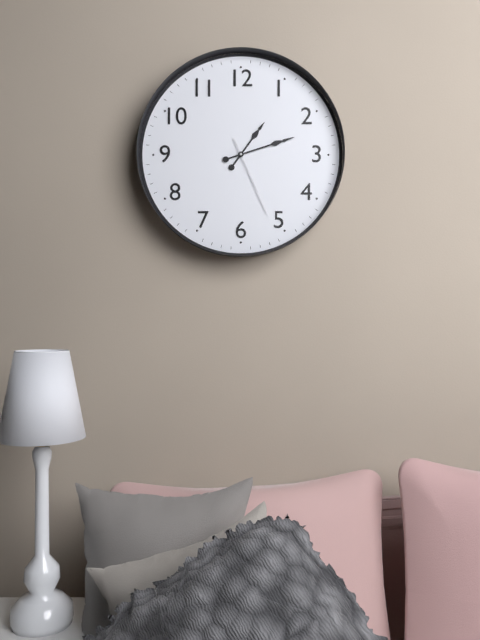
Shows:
{"hour": 1, "minute": 12, "second": 26}
